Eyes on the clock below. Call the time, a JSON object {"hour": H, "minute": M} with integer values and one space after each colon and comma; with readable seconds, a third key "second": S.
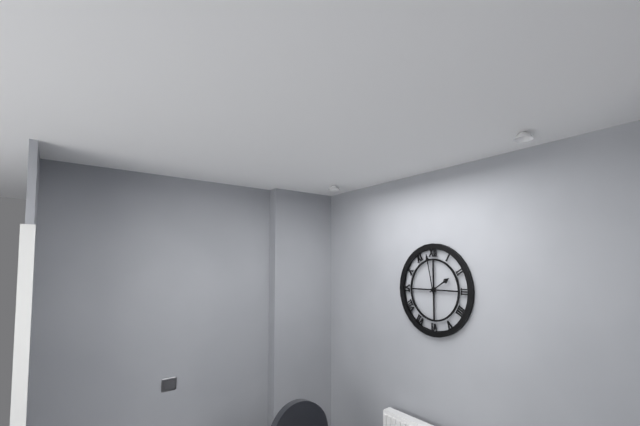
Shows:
{"hour": 1, "minute": 58}
